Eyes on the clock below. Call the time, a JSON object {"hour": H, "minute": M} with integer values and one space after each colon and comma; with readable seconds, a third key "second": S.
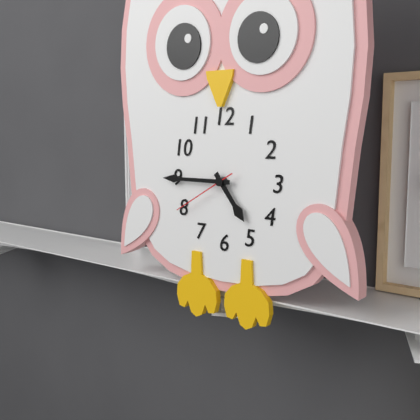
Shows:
{"hour": 4, "minute": 45, "second": 40}
